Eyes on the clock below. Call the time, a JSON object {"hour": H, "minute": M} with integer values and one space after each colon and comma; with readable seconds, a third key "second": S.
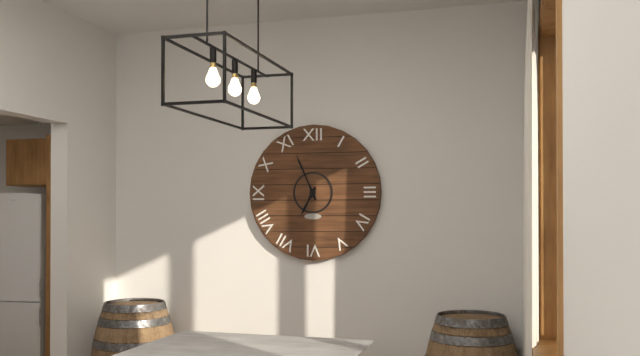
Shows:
{"hour": 6, "minute": 56}
